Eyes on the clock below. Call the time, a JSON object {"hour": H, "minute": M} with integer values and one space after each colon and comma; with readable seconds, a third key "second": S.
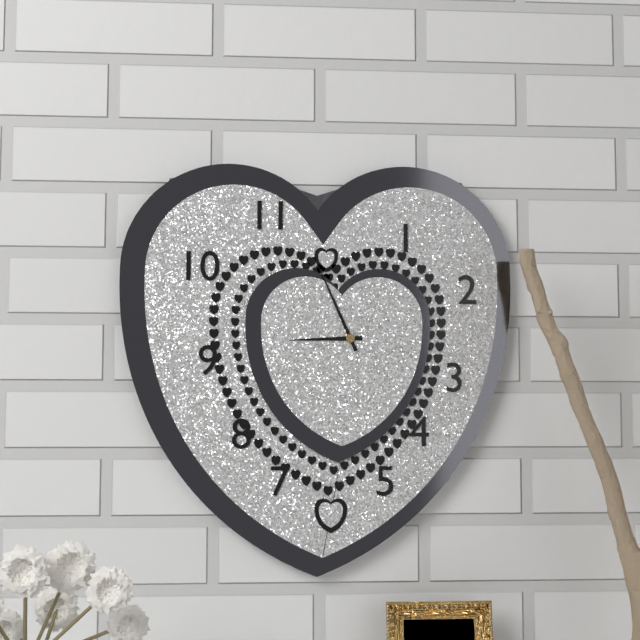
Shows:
{"hour": 8, "minute": 56}
